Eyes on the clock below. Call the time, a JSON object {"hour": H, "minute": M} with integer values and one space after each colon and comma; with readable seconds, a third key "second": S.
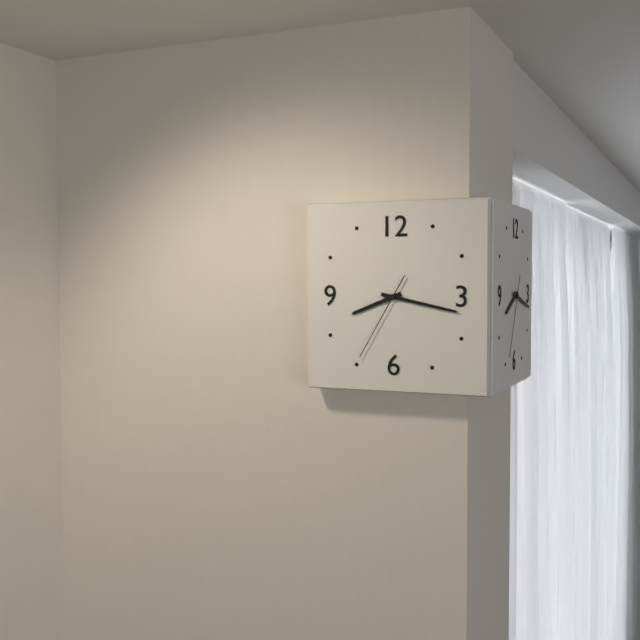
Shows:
{"hour": 8, "minute": 17, "second": 35}
